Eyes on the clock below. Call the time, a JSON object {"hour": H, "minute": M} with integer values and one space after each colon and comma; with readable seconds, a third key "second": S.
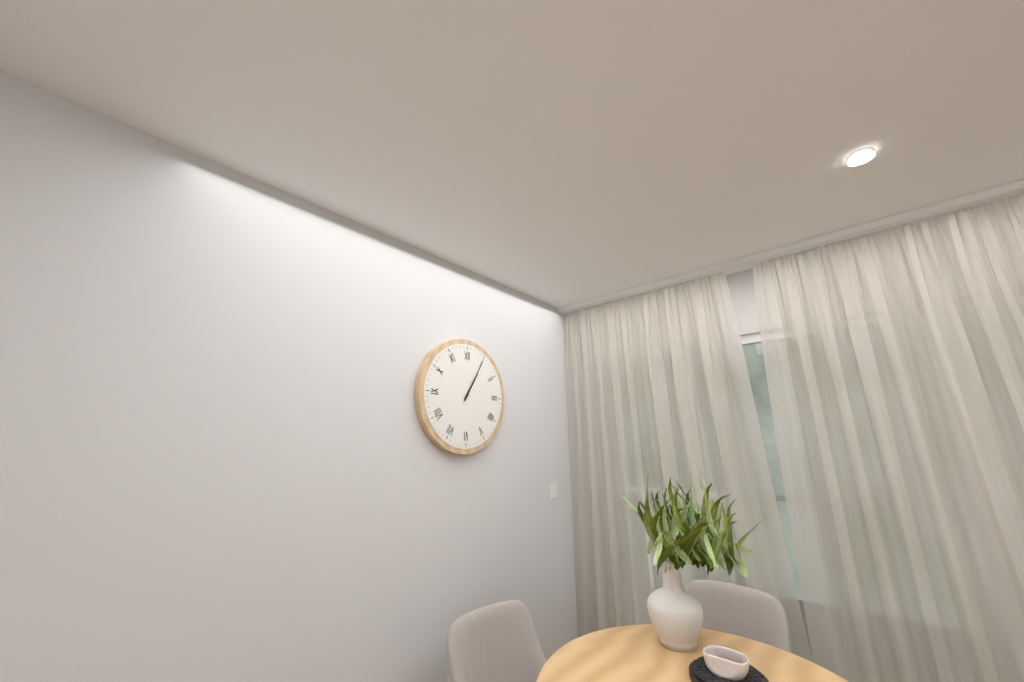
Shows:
{"hour": 1, "minute": 5}
